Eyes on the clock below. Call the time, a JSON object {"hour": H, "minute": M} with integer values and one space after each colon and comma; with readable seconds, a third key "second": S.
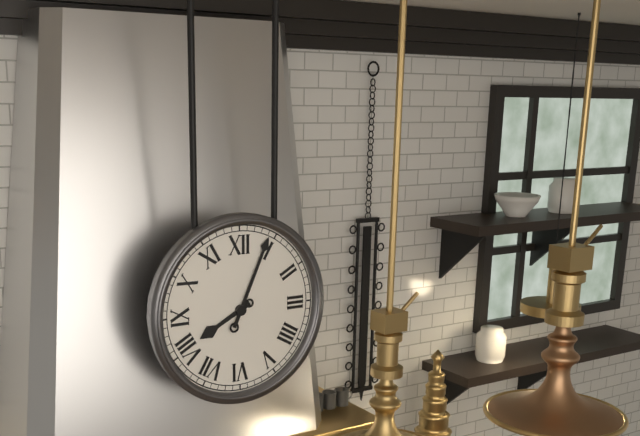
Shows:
{"hour": 8, "minute": 4}
